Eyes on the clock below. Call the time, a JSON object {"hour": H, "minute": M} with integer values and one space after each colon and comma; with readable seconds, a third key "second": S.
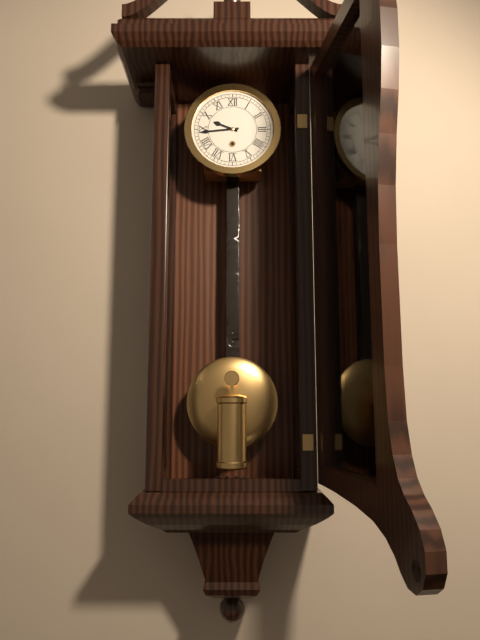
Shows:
{"hour": 9, "minute": 44}
